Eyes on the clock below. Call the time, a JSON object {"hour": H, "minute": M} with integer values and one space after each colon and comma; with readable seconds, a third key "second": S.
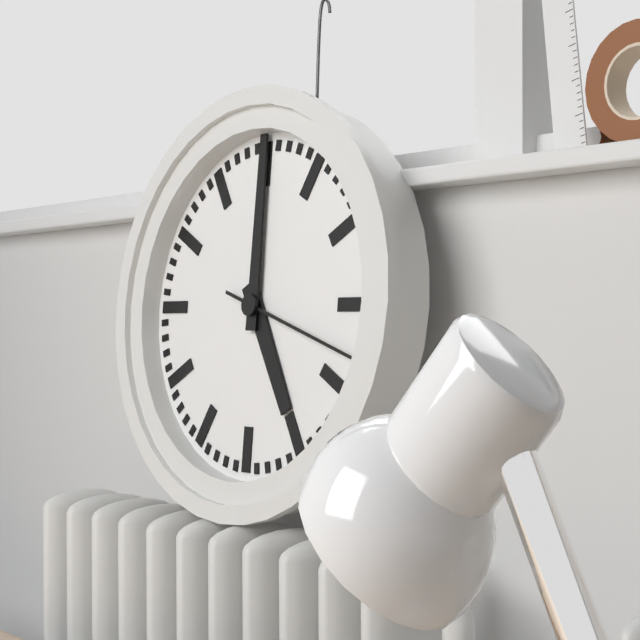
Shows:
{"hour": 5, "minute": 0, "second": 18}
